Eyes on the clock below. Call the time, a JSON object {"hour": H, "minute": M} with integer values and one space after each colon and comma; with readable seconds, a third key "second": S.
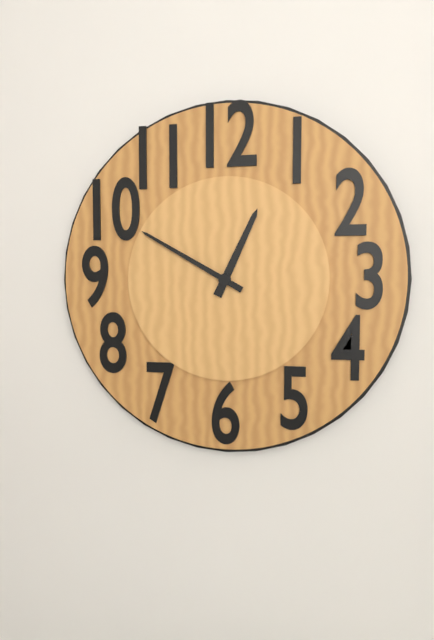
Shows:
{"hour": 12, "minute": 50}
